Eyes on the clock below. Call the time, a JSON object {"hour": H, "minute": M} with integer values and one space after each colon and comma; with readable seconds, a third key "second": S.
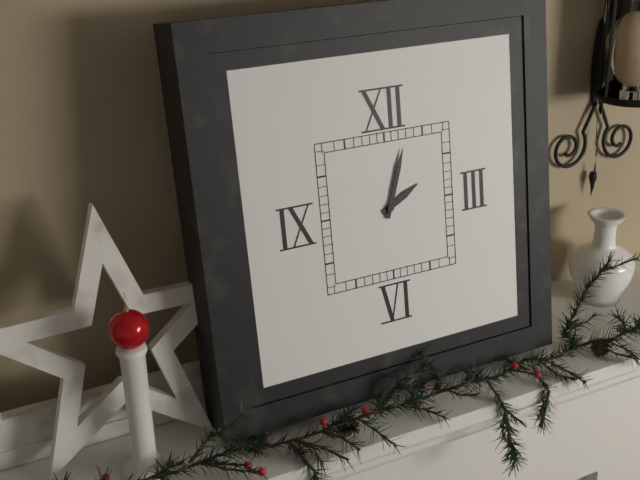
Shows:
{"hour": 2, "minute": 3}
